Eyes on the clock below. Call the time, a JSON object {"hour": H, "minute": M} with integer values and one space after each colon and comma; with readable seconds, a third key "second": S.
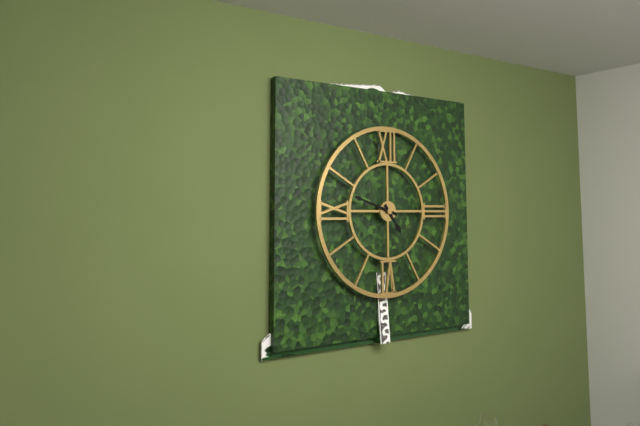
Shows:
{"hour": 4, "minute": 48}
